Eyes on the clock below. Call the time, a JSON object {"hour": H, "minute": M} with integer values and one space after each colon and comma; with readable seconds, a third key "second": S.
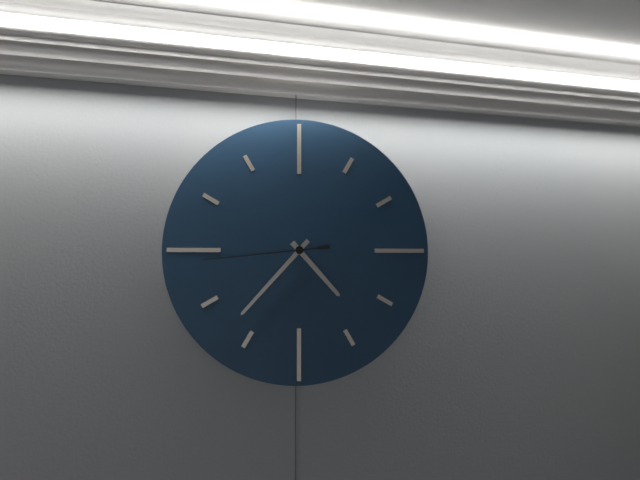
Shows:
{"hour": 4, "minute": 37, "second": 44}
